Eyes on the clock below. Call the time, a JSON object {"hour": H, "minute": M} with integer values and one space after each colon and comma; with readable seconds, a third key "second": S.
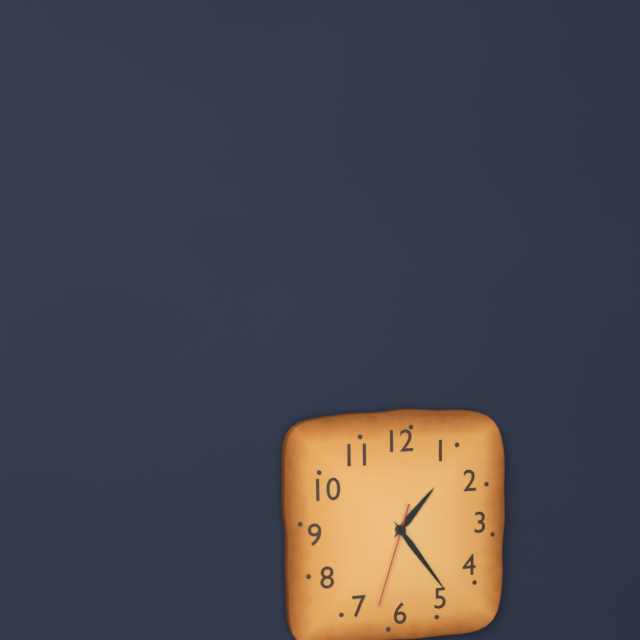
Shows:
{"hour": 1, "minute": 24, "second": 33}
